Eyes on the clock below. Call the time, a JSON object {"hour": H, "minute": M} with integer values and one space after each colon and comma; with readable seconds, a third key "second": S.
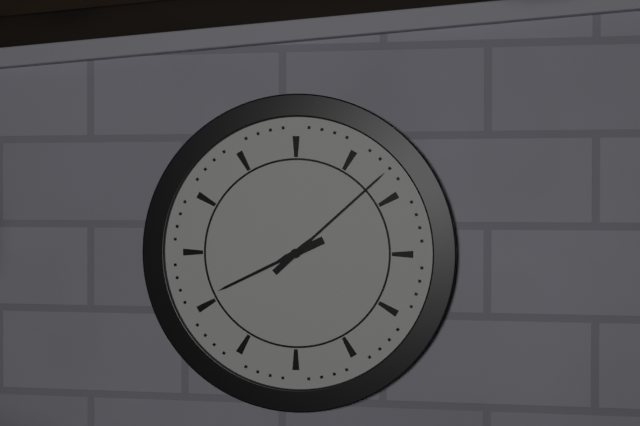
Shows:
{"hour": 8, "minute": 8}
